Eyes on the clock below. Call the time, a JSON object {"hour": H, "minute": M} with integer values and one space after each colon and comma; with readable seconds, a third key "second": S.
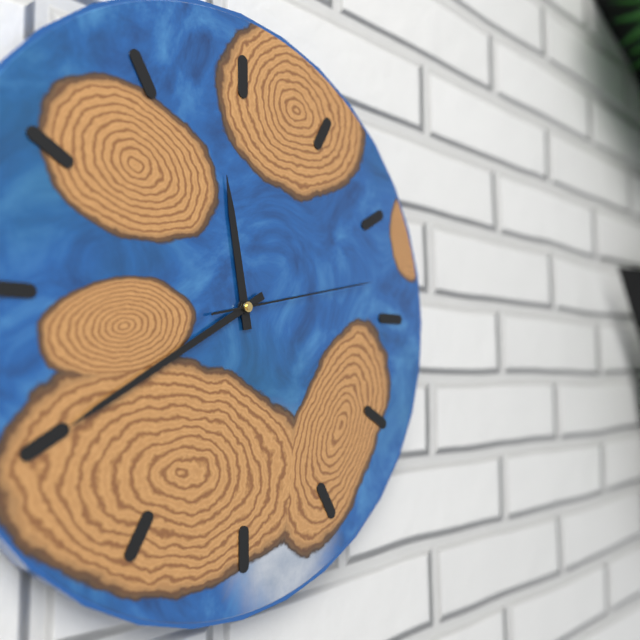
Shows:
{"hour": 11, "minute": 40, "second": 13}
